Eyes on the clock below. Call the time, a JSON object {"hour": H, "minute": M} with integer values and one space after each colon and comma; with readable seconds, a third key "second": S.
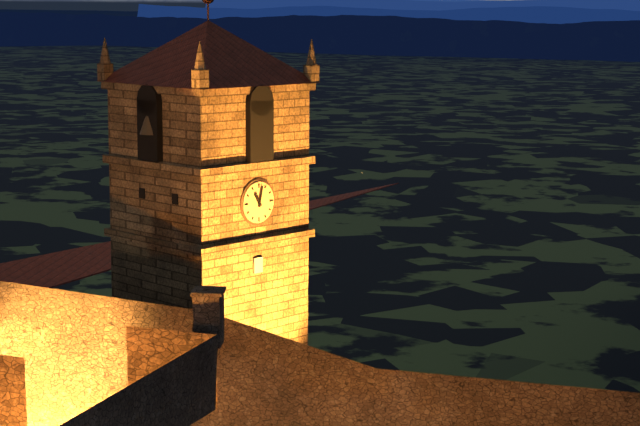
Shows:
{"hour": 11, "minute": 2}
